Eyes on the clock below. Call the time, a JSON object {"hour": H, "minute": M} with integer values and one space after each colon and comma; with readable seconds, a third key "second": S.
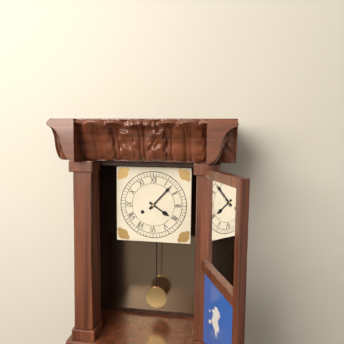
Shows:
{"hour": 4, "minute": 7}
